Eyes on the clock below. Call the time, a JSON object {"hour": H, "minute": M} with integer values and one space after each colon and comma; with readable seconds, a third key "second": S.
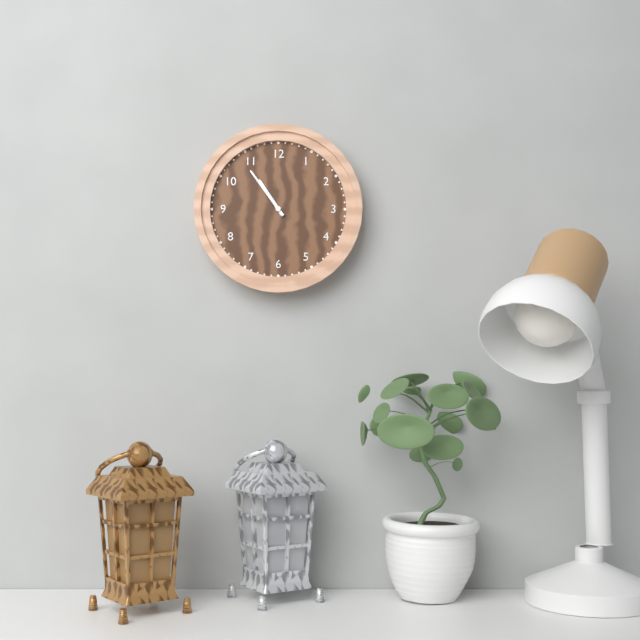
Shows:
{"hour": 10, "minute": 54}
